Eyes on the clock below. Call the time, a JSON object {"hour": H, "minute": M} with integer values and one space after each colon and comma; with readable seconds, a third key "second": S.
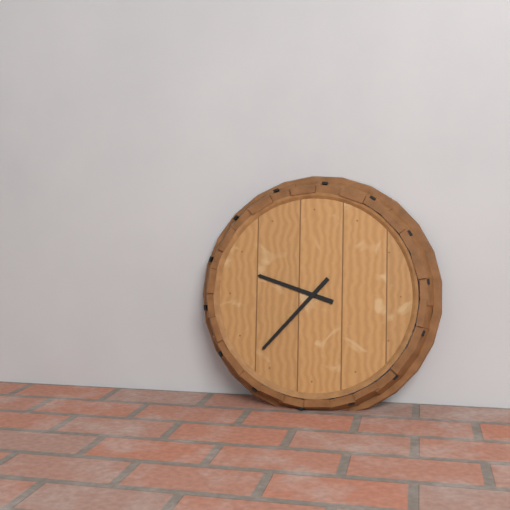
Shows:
{"hour": 9, "minute": 37}
